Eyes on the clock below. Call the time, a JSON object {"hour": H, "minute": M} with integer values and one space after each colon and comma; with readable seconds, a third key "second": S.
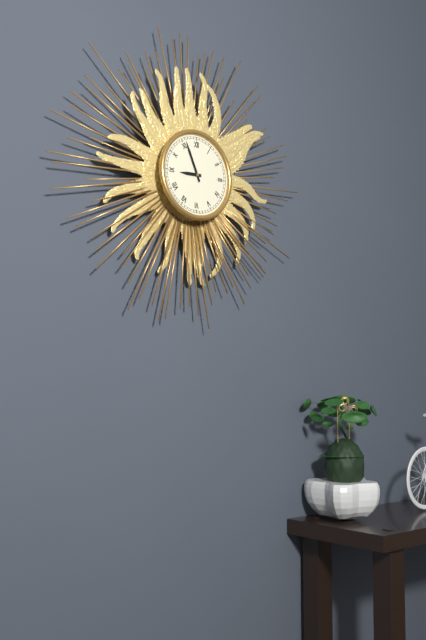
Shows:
{"hour": 8, "minute": 56}
